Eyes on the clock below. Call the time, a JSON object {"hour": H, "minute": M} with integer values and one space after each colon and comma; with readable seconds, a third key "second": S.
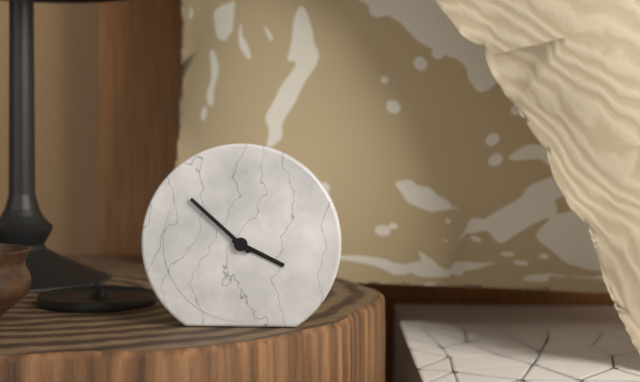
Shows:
{"hour": 3, "minute": 52}
